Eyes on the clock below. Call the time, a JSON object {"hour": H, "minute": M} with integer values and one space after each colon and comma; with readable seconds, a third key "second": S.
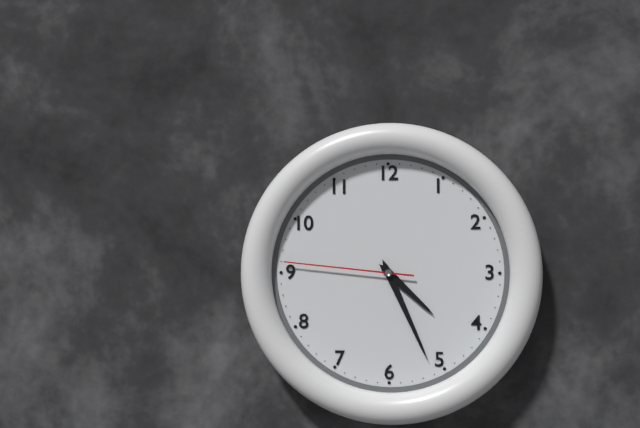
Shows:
{"hour": 4, "minute": 26, "second": 46}
